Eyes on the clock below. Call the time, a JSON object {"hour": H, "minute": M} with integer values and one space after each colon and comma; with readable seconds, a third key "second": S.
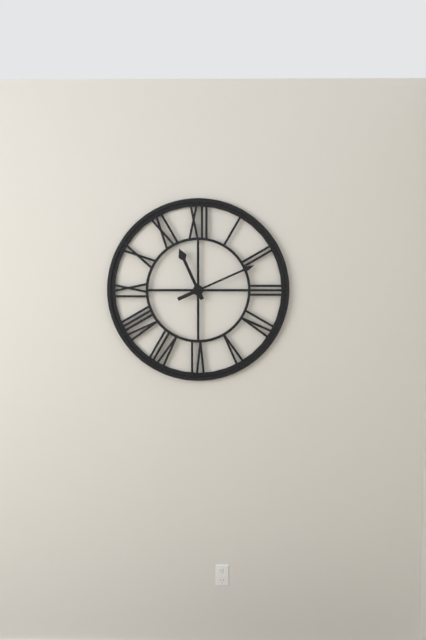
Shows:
{"hour": 11, "minute": 11}
